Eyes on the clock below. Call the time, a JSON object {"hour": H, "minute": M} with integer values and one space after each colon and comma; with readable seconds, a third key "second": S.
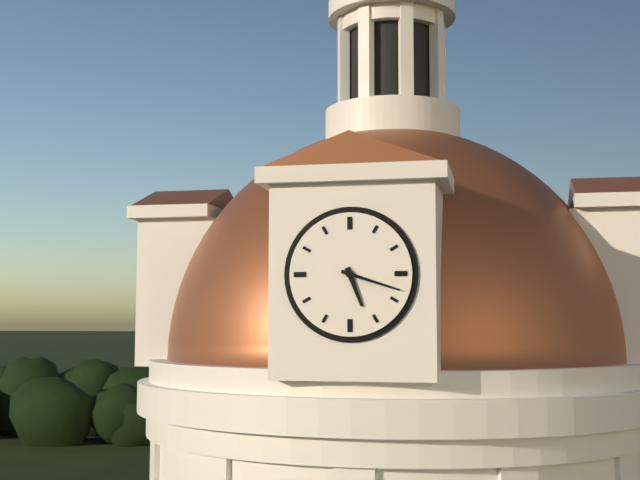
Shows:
{"hour": 5, "minute": 18}
